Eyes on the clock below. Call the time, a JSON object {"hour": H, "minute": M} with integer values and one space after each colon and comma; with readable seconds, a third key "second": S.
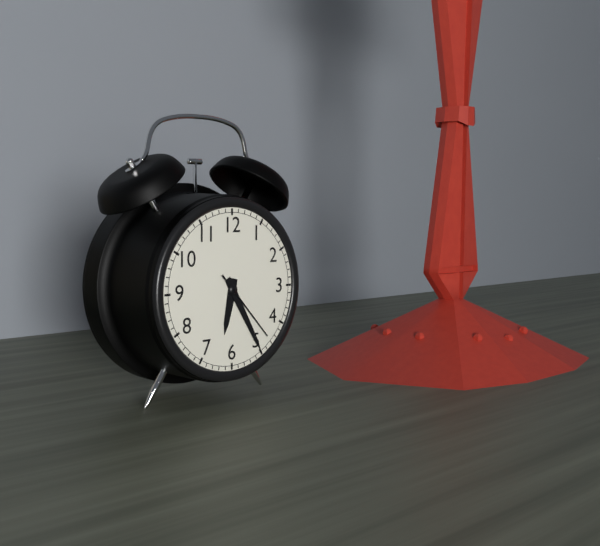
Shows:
{"hour": 6, "minute": 25, "second": 23}
